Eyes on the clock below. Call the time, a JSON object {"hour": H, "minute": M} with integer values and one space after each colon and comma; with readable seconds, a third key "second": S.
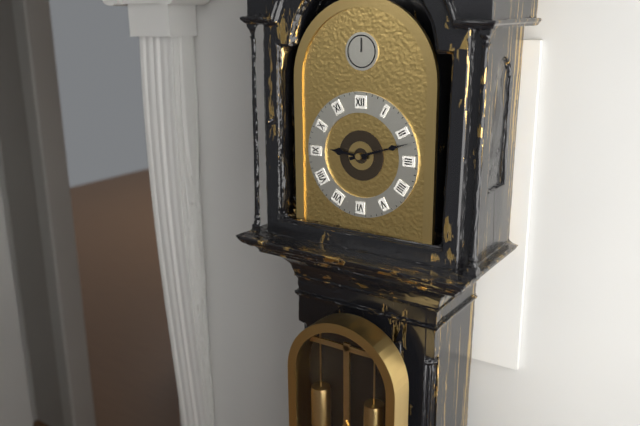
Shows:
{"hour": 9, "minute": 12}
